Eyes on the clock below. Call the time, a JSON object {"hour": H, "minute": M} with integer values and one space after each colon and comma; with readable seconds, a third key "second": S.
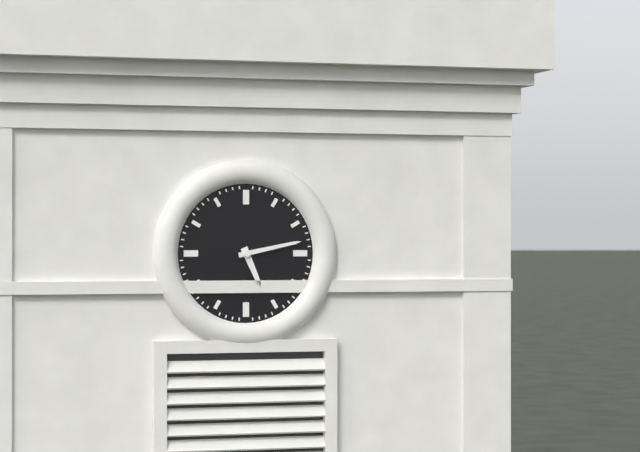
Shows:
{"hour": 5, "minute": 13}
